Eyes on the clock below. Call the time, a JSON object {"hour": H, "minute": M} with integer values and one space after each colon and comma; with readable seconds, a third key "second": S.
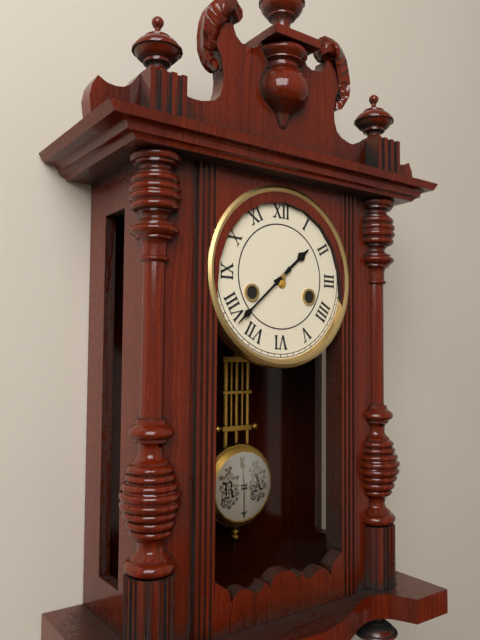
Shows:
{"hour": 1, "minute": 38}
